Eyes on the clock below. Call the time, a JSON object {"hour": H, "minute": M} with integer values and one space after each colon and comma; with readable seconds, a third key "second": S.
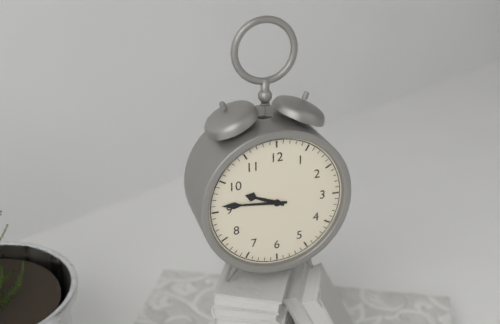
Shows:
{"hour": 9, "minute": 46}
